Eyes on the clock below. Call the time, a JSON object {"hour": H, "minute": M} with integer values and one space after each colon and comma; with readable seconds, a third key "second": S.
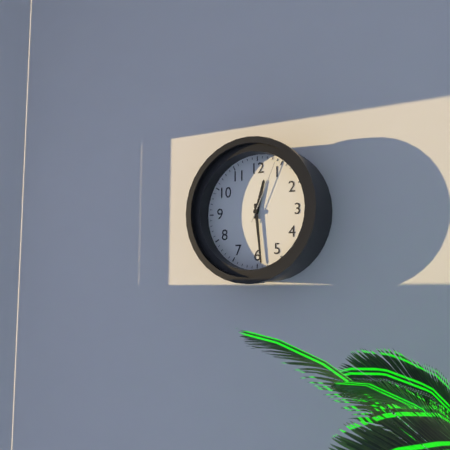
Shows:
{"hour": 12, "minute": 29, "second": 4}
